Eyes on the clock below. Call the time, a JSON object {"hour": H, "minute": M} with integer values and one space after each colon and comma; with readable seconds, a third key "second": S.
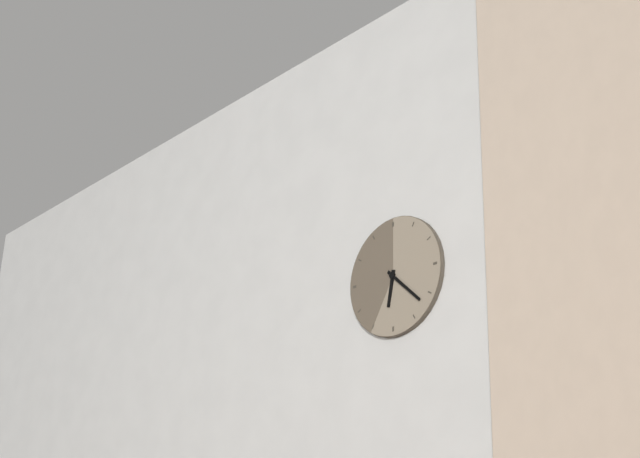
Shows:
{"hour": 6, "minute": 22}
